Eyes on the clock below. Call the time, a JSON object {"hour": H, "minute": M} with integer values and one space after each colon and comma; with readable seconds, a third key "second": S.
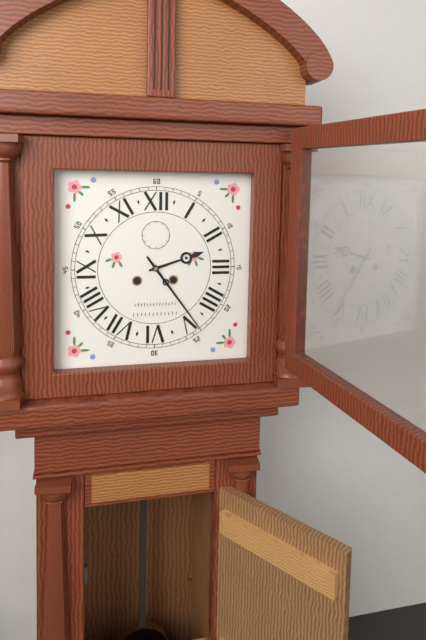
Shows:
{"hour": 2, "minute": 24}
